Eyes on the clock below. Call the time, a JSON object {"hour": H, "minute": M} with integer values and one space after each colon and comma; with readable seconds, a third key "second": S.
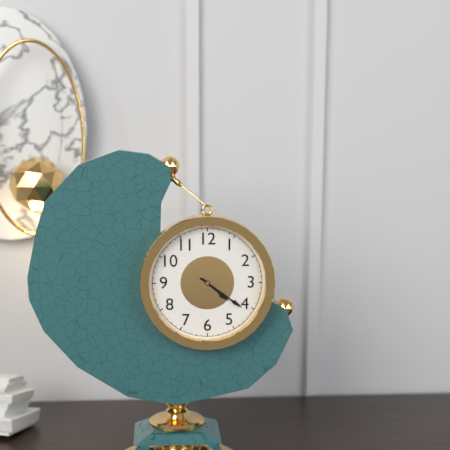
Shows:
{"hour": 4, "minute": 21}
